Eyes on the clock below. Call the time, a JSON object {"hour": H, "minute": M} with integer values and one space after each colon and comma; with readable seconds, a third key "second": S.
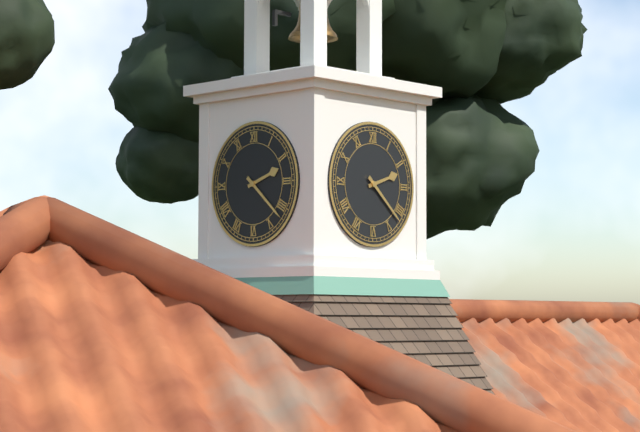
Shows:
{"hour": 2, "minute": 22}
